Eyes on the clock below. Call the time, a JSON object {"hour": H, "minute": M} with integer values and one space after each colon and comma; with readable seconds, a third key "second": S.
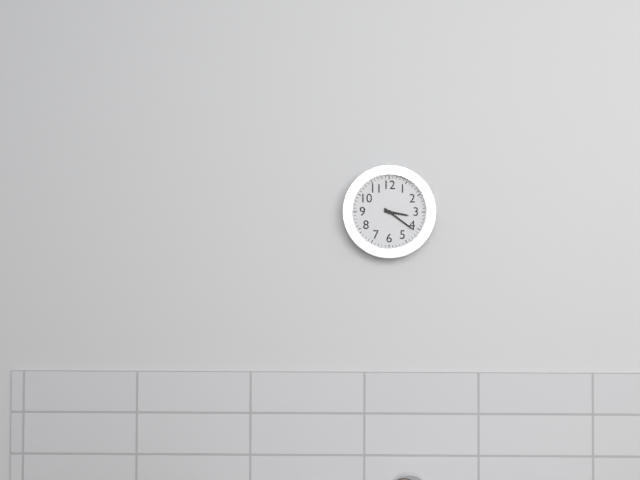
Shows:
{"hour": 3, "minute": 21}
